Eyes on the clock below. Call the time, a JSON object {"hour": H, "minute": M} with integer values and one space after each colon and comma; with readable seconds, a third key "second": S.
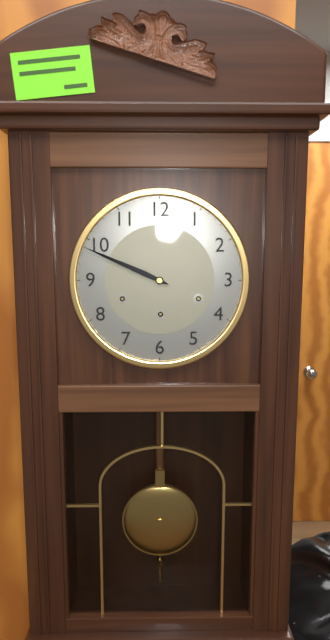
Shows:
{"hour": 9, "minute": 49}
